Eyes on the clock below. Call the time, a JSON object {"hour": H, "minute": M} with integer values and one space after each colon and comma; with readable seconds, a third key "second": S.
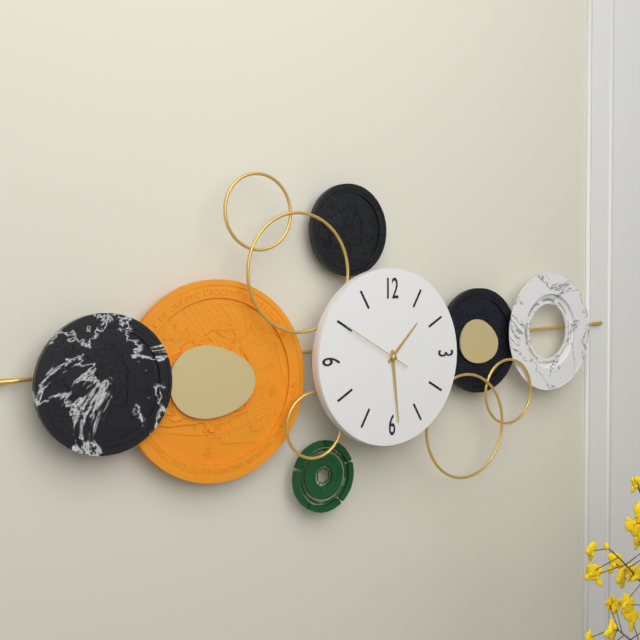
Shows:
{"hour": 1, "minute": 29, "second": 50}
